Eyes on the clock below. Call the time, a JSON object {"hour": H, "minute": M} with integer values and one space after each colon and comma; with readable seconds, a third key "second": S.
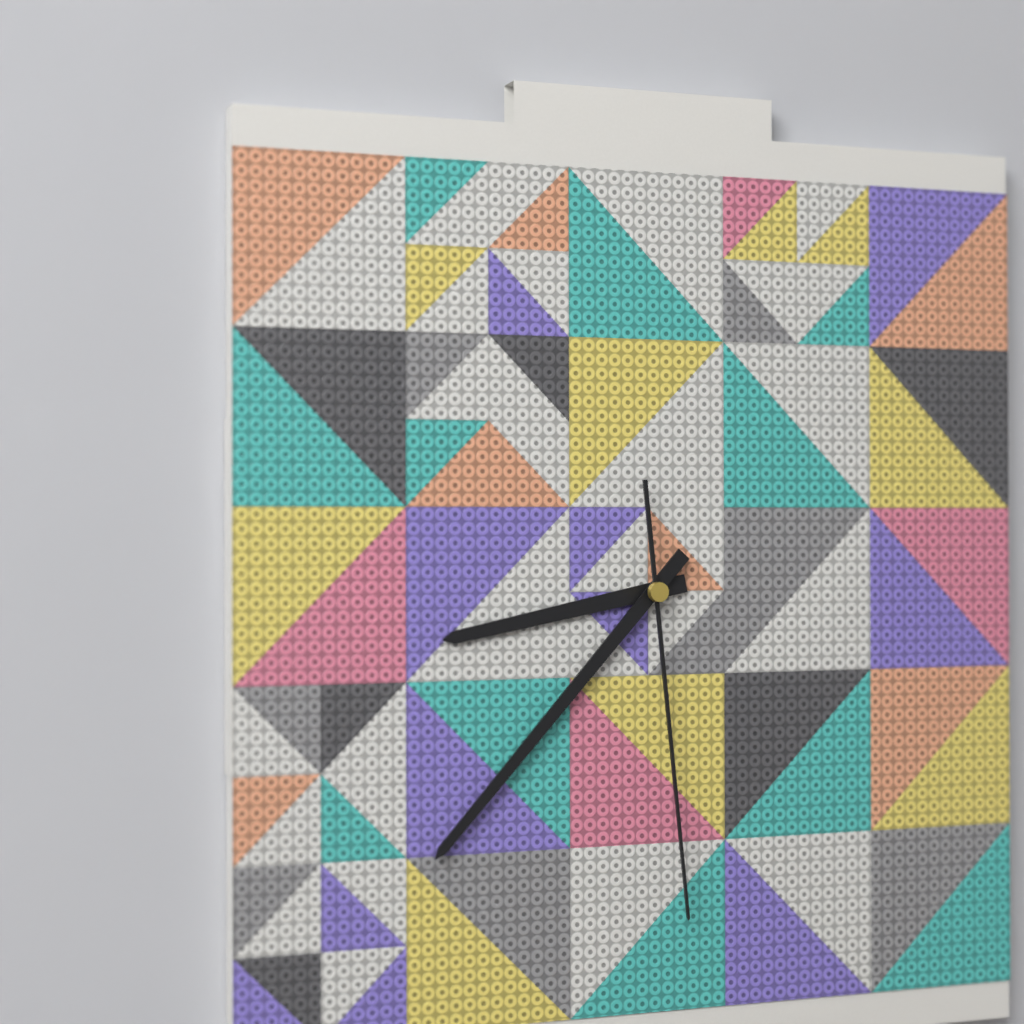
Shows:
{"hour": 8, "minute": 37, "second": 29}
